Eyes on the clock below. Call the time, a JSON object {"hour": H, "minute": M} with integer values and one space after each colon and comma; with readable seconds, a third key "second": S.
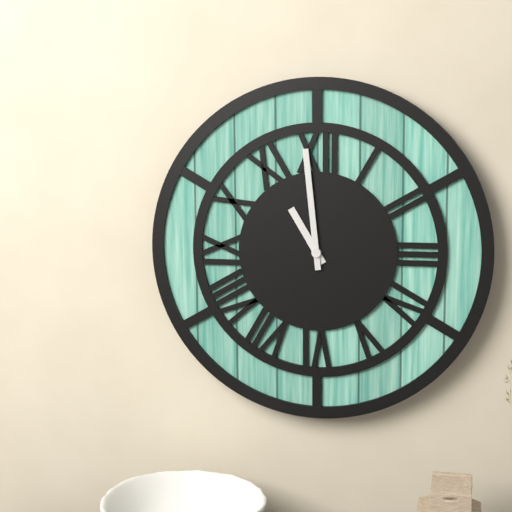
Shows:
{"hour": 10, "minute": 59}
